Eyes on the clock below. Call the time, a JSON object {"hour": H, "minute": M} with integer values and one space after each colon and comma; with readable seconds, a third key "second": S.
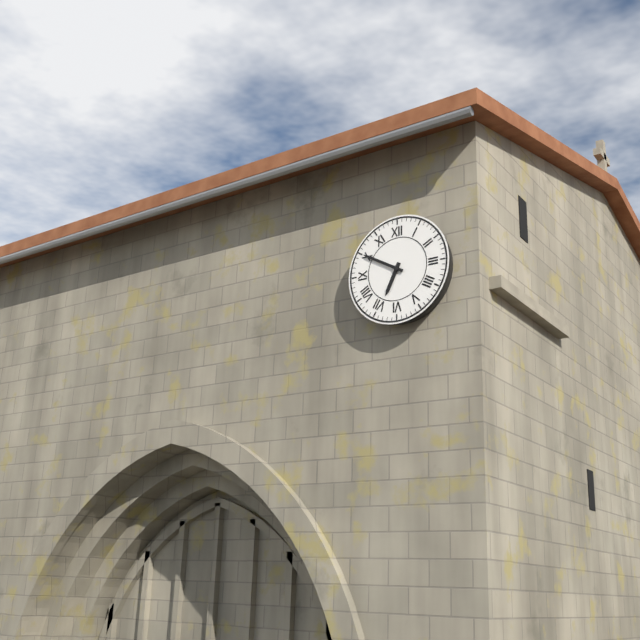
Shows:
{"hour": 6, "minute": 50}
